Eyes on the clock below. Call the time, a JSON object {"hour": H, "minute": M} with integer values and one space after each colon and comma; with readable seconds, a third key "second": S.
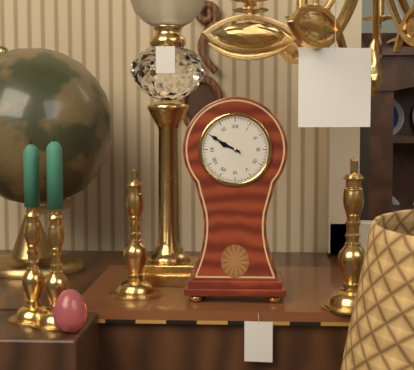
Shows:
{"hour": 9, "minute": 50}
